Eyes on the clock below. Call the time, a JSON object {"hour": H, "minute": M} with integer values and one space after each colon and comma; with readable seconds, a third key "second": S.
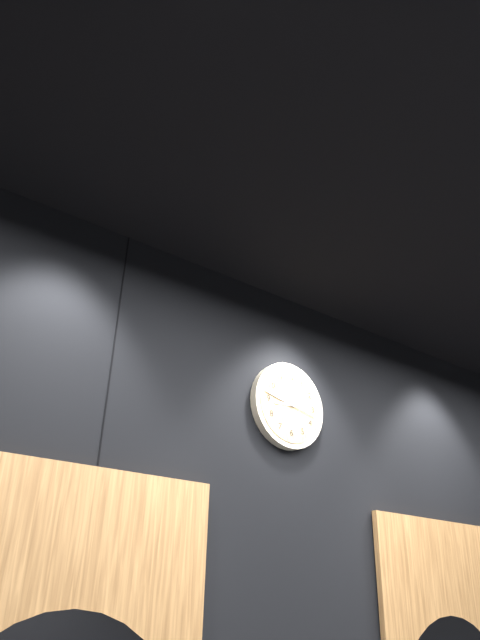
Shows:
{"hour": 8, "minute": 47}
